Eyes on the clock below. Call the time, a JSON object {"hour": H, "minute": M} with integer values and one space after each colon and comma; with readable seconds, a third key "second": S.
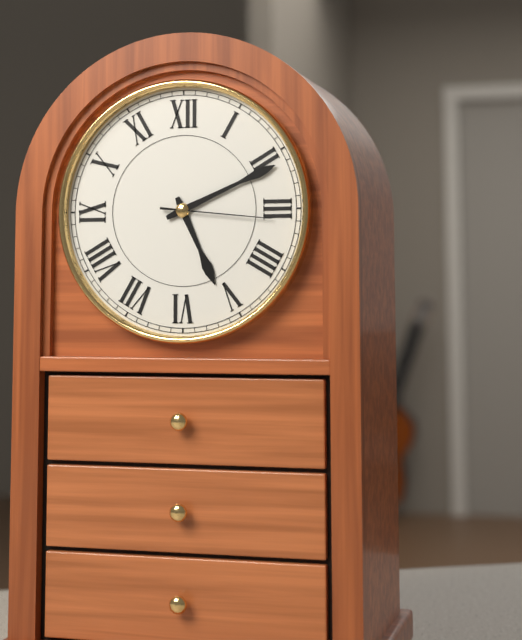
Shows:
{"hour": 5, "minute": 11, "second": 16}
